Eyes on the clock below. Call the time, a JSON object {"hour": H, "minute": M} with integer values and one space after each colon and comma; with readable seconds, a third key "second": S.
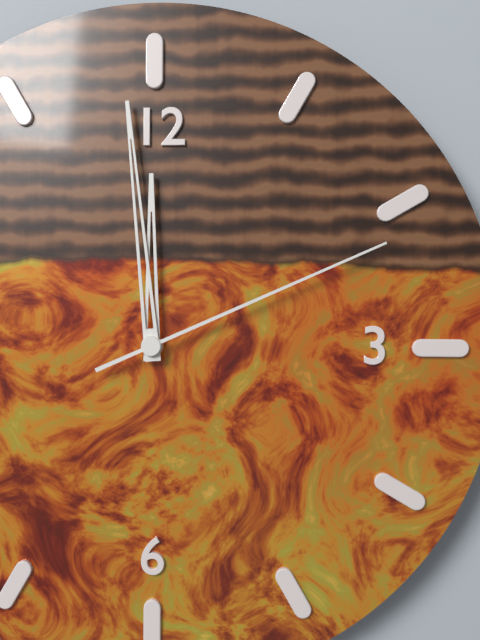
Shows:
{"hour": 11, "minute": 59, "second": 11}
